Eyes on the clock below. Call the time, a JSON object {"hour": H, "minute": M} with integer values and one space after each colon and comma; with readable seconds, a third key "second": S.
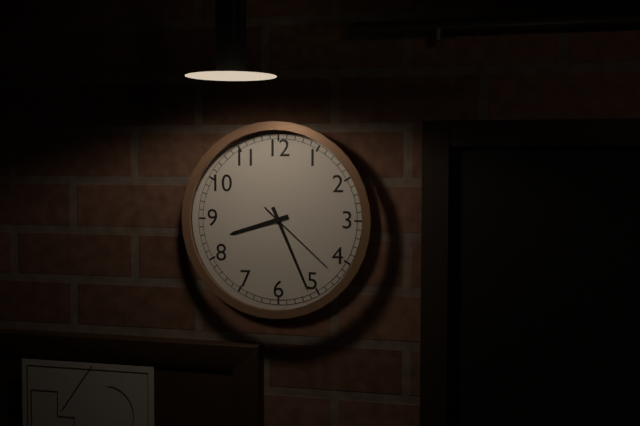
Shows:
{"hour": 8, "minute": 26, "second": 22}
